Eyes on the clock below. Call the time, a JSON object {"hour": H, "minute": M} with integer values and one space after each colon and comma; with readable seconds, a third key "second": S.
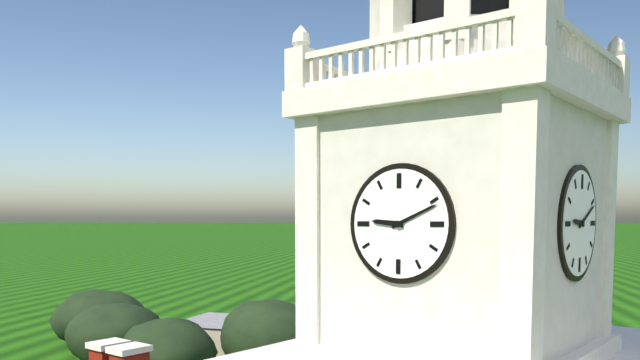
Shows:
{"hour": 9, "minute": 11}
